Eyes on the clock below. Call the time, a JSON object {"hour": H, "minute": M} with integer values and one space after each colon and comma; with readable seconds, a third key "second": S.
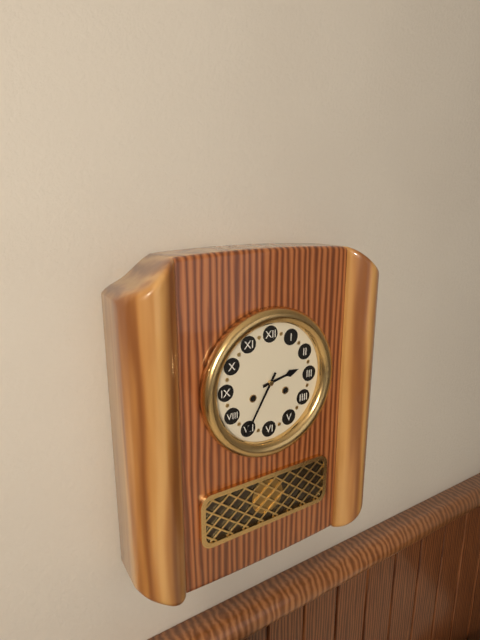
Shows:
{"hour": 2, "minute": 35}
